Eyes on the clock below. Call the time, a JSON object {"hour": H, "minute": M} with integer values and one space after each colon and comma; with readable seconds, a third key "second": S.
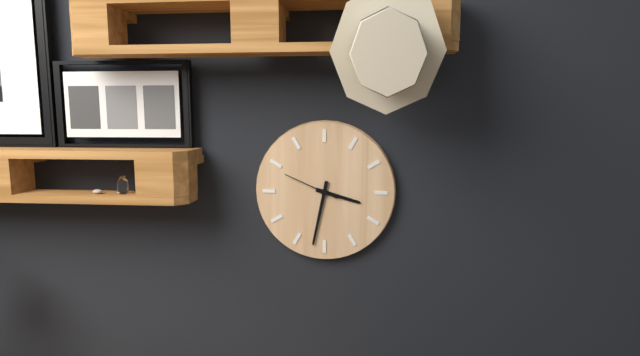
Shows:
{"hour": 3, "minute": 32, "second": 49}
